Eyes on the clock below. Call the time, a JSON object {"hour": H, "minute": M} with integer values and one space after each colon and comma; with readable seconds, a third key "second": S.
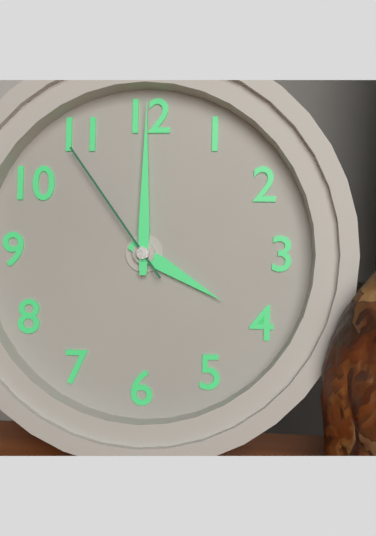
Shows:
{"hour": 4, "minute": 0, "second": 54}
